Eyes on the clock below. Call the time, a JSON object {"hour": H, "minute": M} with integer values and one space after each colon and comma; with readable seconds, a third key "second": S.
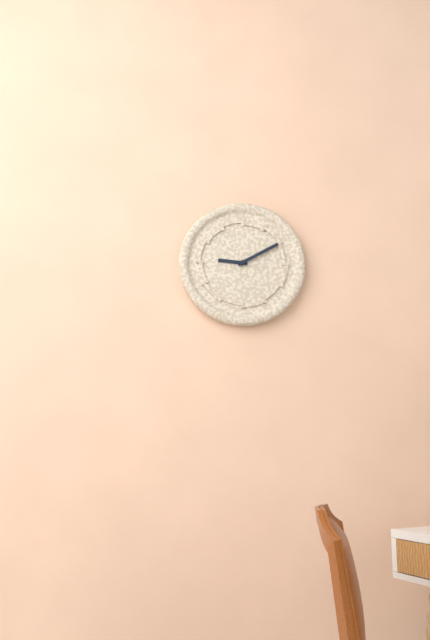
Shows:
{"hour": 9, "minute": 10}
